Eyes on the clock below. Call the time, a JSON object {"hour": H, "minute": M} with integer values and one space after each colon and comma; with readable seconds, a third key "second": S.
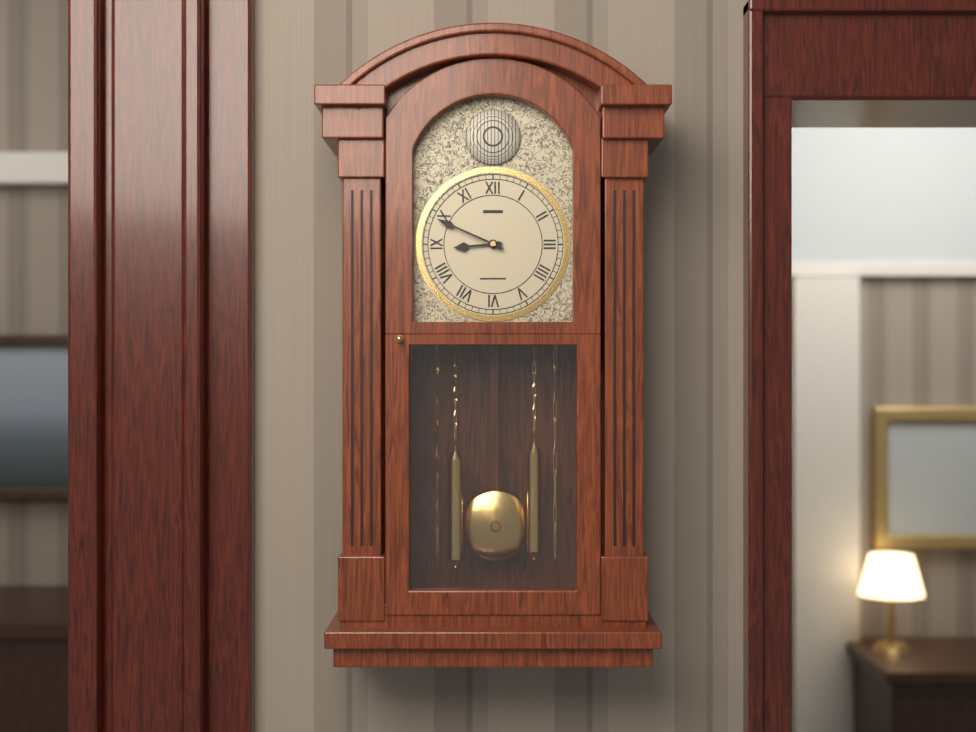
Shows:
{"hour": 8, "minute": 49}
